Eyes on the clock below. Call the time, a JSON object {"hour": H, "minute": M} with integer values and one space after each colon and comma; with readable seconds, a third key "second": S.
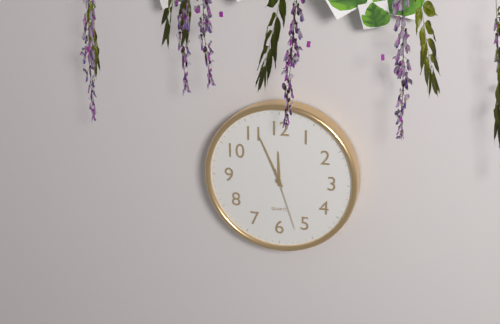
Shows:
{"hour": 11, "minute": 56, "second": 27}
